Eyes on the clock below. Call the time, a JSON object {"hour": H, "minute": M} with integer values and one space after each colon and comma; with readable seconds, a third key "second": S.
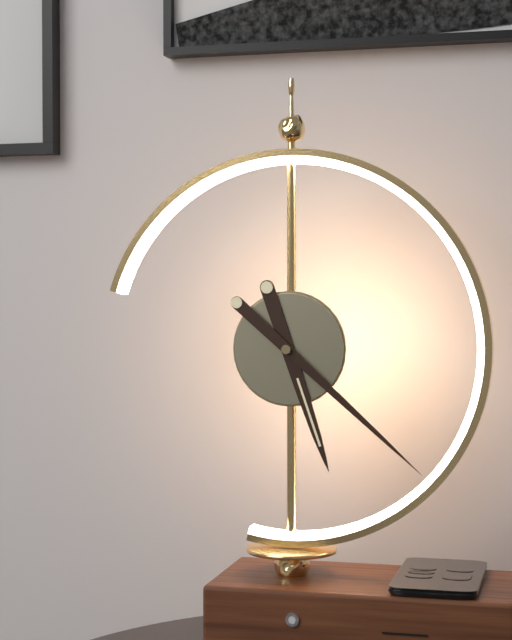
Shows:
{"hour": 5, "minute": 22}
